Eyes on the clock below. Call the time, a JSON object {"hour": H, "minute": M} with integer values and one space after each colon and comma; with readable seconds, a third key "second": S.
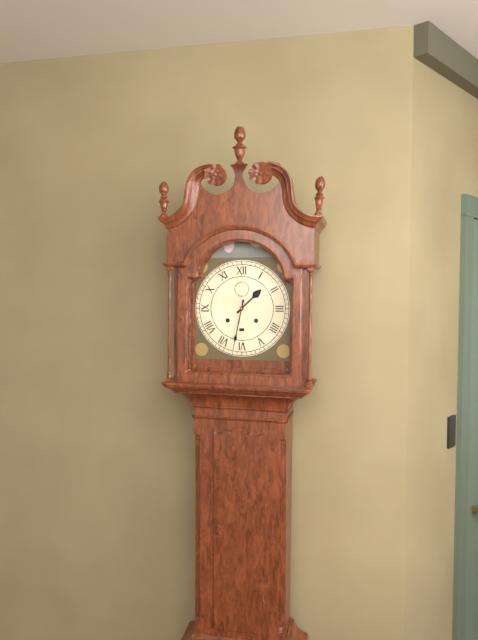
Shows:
{"hour": 1, "minute": 32}
